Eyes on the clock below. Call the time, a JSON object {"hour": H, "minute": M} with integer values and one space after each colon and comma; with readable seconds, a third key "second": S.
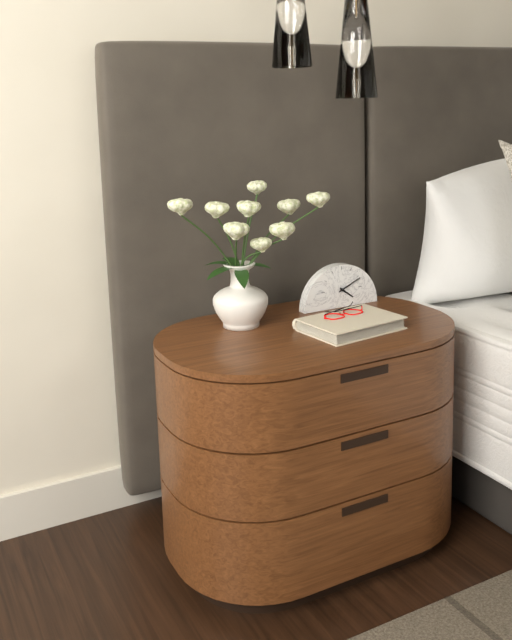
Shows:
{"hour": 4, "minute": 11}
